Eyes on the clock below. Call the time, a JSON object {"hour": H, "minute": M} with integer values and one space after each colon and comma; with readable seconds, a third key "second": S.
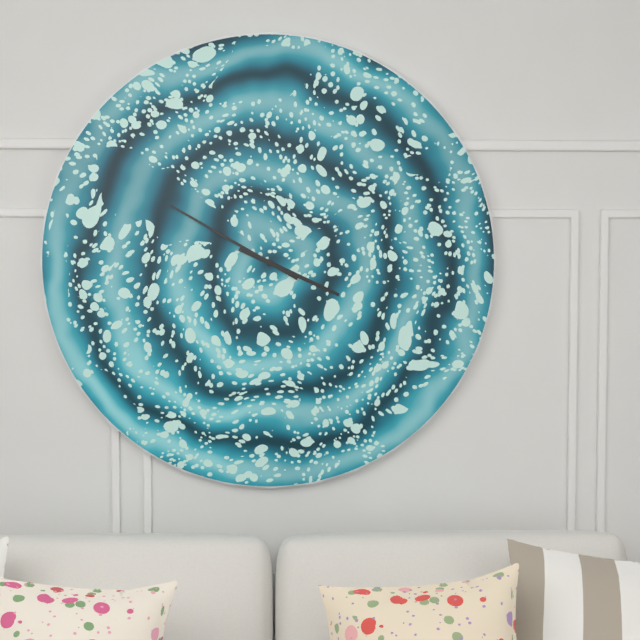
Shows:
{"hour": 3, "minute": 50}
